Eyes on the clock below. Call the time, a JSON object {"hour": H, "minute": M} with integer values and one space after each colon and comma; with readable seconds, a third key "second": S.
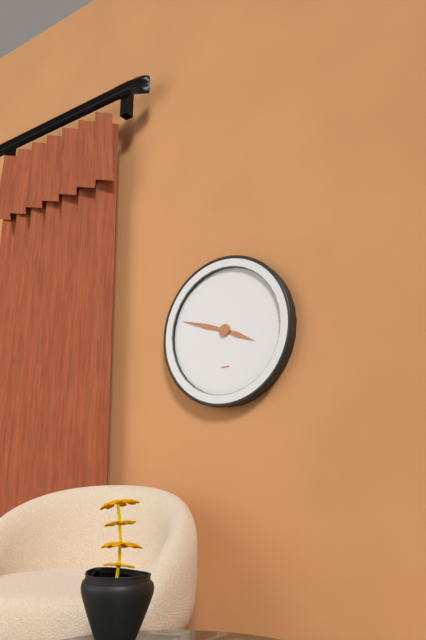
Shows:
{"hour": 3, "minute": 48}
